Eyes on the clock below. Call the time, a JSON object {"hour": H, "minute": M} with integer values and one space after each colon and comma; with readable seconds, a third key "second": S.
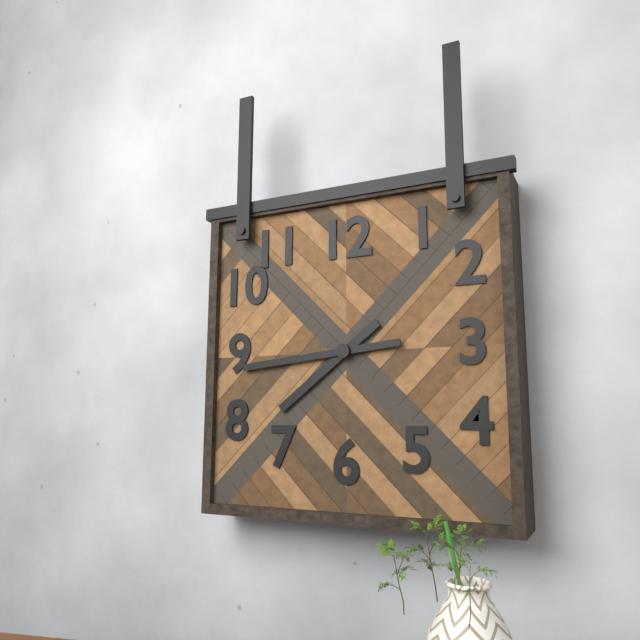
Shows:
{"hour": 7, "minute": 44}
